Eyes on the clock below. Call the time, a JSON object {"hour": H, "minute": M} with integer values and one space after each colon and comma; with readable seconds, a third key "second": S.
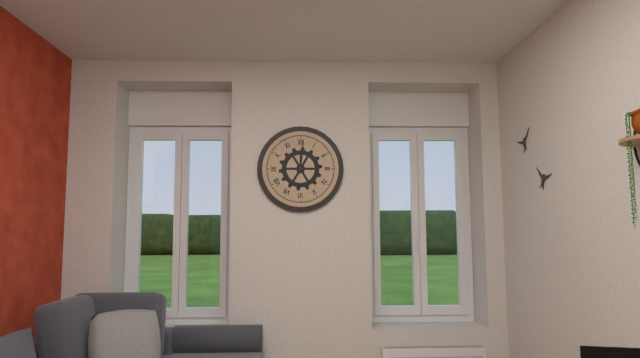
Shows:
{"hour": 12, "minute": 1}
